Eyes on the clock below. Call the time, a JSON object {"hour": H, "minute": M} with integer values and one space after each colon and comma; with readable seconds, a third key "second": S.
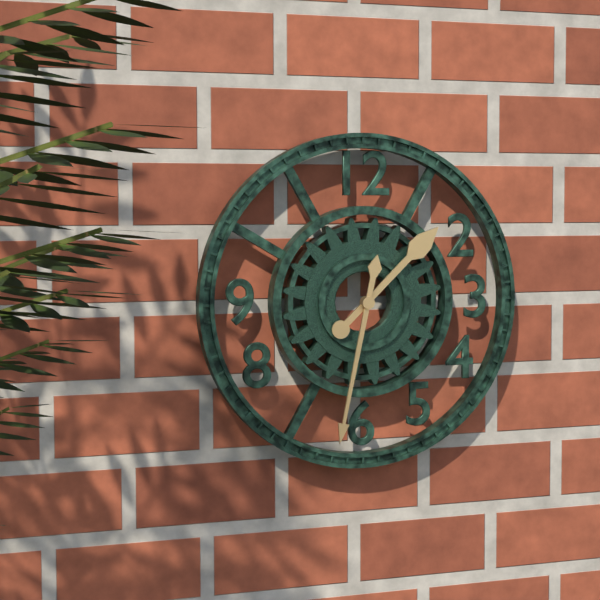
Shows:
{"hour": 1, "minute": 32}
